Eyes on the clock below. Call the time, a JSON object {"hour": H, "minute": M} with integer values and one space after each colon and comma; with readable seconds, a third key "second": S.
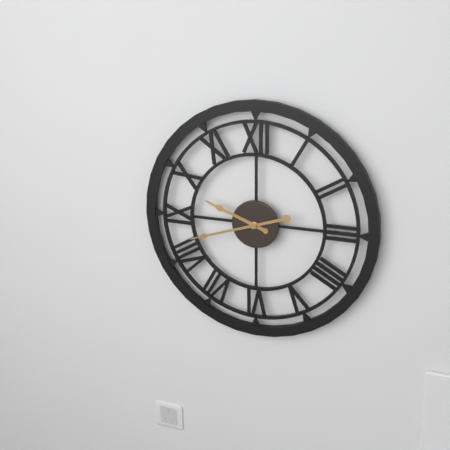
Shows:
{"hour": 9, "minute": 42}
